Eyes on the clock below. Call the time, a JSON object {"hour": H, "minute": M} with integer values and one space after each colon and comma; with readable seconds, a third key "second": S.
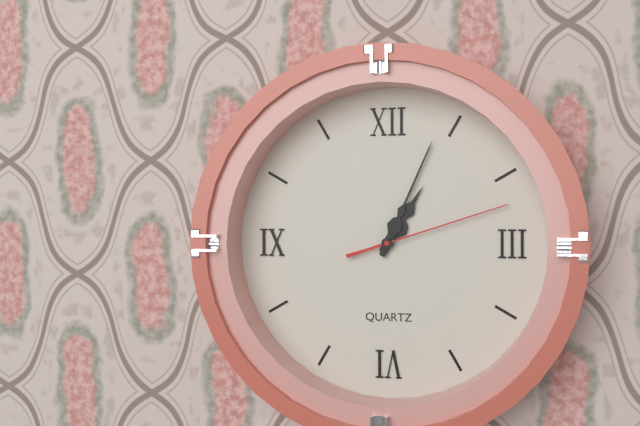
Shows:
{"hour": 1, "minute": 4, "second": 12}
